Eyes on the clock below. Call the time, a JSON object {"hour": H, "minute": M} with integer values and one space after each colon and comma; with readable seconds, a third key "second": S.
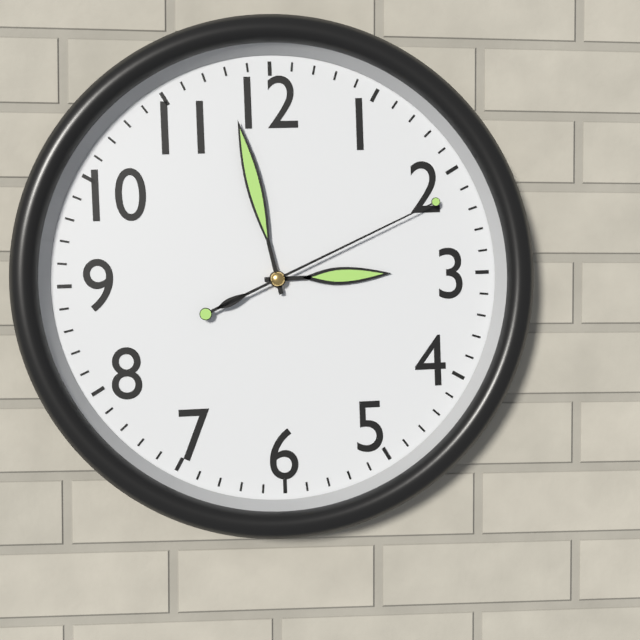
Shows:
{"hour": 2, "minute": 58, "second": 11}
